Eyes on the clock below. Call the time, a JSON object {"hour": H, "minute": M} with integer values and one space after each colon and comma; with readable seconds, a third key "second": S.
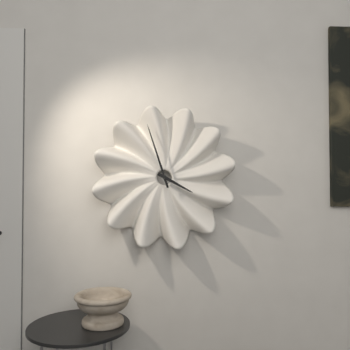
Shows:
{"hour": 3, "minute": 57}
